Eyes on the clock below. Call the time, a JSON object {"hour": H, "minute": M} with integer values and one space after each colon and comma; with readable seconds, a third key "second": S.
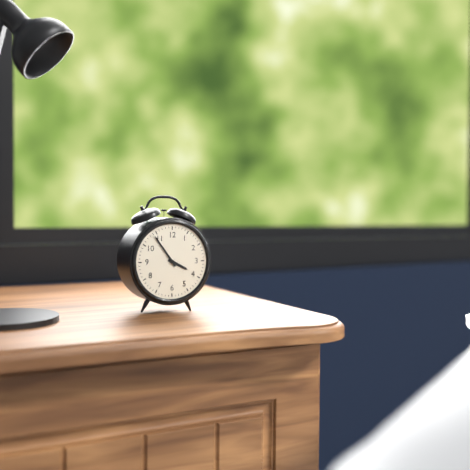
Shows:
{"hour": 3, "minute": 54}
